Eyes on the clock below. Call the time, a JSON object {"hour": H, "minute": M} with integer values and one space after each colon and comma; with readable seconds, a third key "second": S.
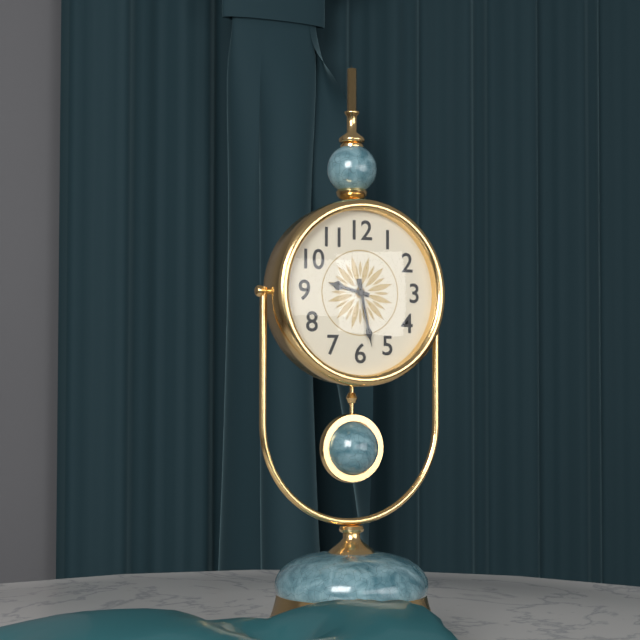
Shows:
{"hour": 9, "minute": 28}
